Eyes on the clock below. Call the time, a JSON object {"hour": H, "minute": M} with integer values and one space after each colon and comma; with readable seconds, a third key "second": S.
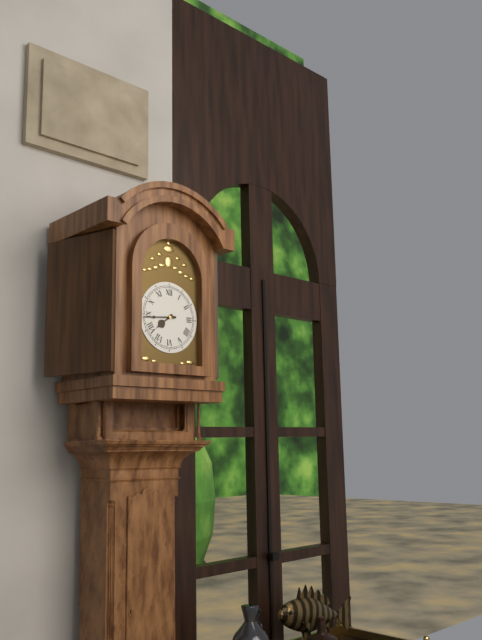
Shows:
{"hour": 7, "minute": 44}
